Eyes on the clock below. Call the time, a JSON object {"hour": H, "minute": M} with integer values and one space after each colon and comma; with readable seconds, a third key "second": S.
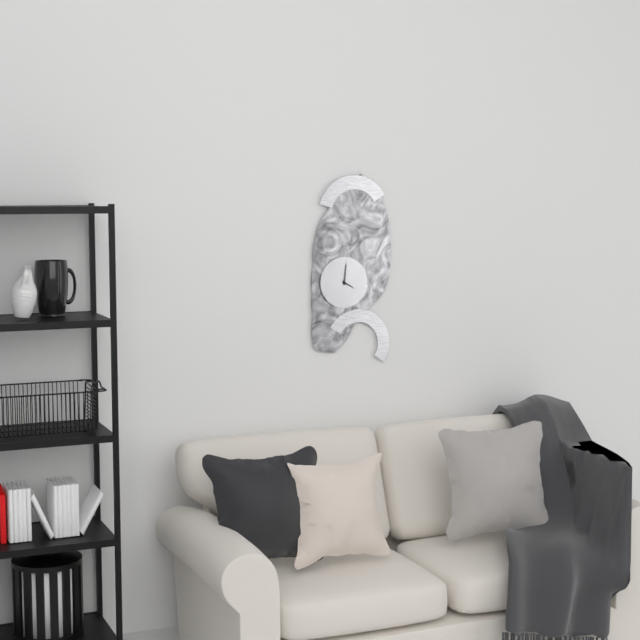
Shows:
{"hour": 4, "minute": 1}
